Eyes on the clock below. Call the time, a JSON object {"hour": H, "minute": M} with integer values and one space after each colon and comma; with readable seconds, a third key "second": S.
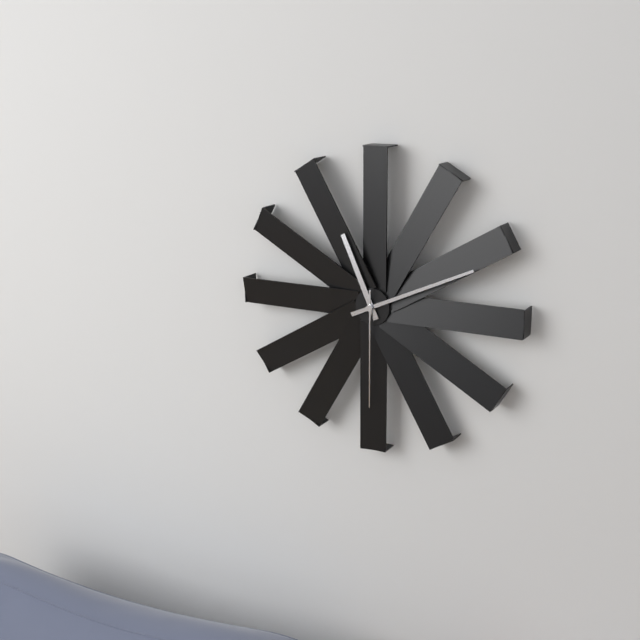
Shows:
{"hour": 11, "minute": 11, "second": 30}
